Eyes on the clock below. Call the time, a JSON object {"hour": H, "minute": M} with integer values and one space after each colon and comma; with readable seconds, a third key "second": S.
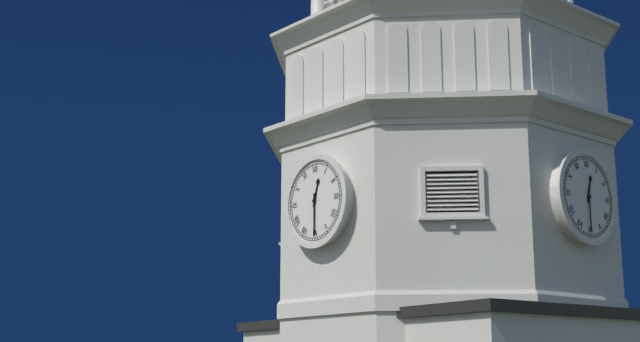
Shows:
{"hour": 12, "minute": 30}
